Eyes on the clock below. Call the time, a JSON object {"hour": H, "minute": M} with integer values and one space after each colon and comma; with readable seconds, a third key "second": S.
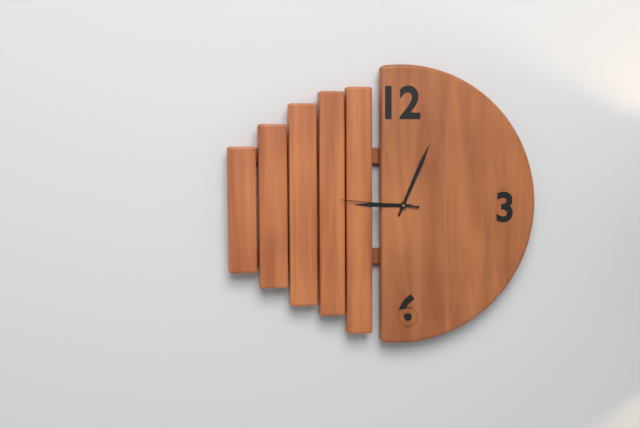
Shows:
{"hour": 9, "minute": 4, "second": 46}
